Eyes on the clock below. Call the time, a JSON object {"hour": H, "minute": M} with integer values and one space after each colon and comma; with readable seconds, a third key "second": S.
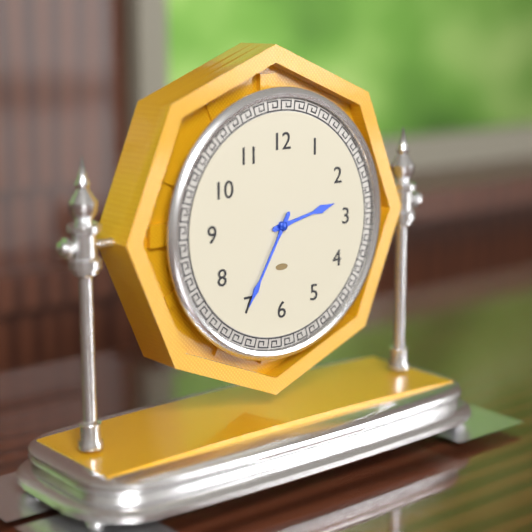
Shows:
{"hour": 2, "minute": 35}
